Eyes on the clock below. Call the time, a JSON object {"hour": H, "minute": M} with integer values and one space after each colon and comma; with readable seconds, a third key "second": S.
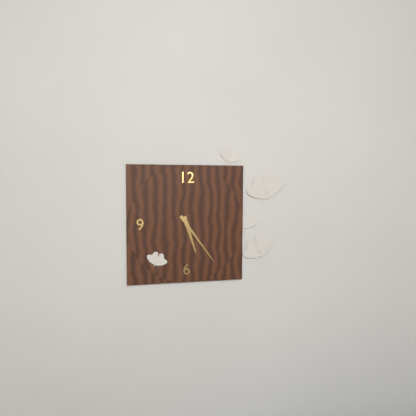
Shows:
{"hour": 5, "minute": 24}
